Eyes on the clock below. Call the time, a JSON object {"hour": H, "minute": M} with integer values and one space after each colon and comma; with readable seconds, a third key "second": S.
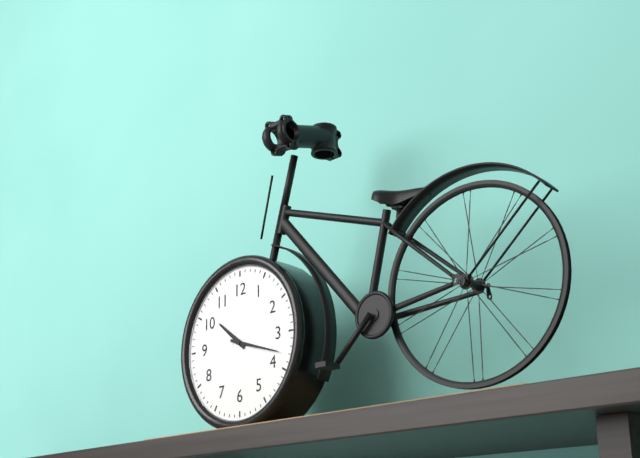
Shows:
{"hour": 10, "minute": 18}
